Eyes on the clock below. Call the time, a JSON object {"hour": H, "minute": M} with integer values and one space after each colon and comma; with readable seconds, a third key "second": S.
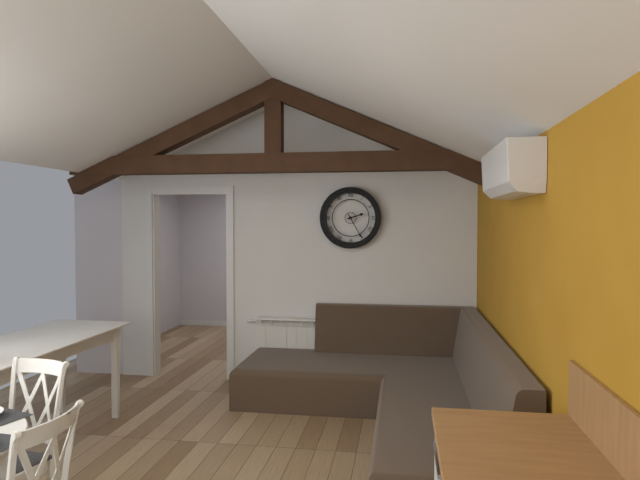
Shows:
{"hour": 2, "minute": 25}
